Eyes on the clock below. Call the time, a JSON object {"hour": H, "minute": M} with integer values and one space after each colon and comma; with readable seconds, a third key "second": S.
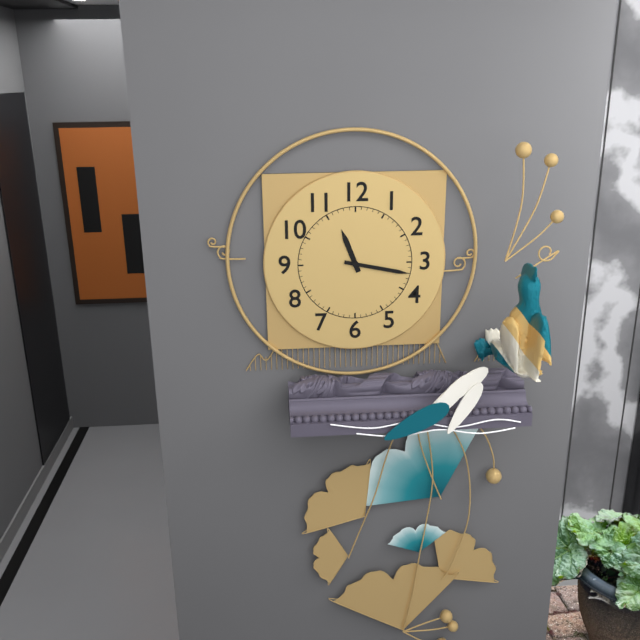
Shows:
{"hour": 11, "minute": 17}
